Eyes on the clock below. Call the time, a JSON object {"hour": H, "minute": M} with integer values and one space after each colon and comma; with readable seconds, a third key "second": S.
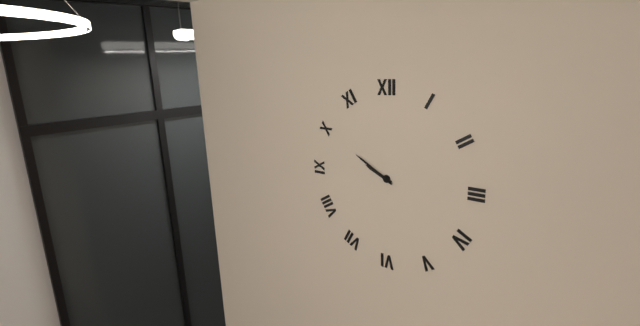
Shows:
{"hour": 9, "minute": 50}
